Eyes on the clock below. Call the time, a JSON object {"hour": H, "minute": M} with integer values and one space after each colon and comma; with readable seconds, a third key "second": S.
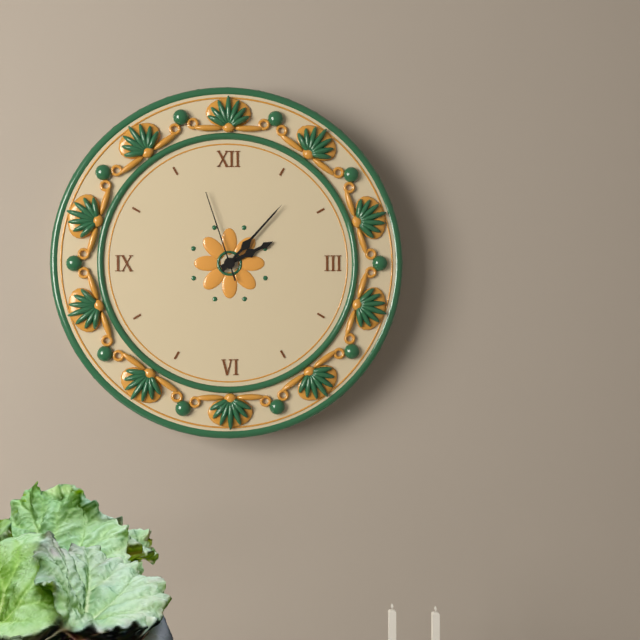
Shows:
{"hour": 2, "minute": 7, "second": 57}
